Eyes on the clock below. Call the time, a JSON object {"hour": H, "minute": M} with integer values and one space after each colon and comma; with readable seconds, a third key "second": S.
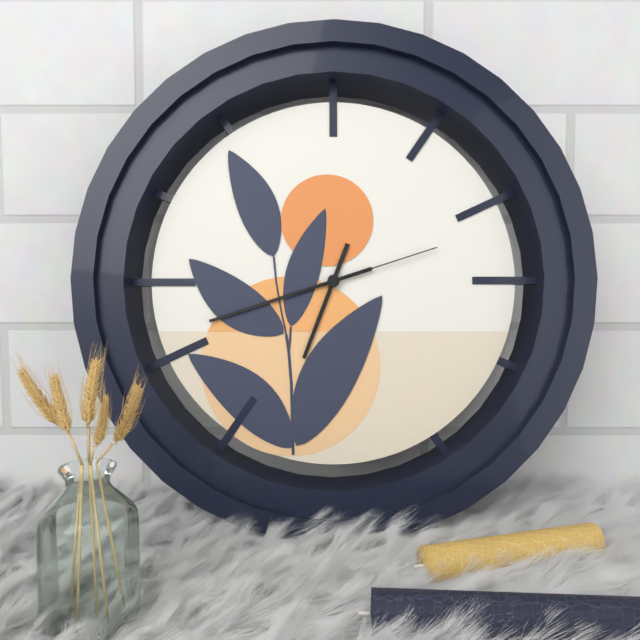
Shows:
{"hour": 6, "minute": 42, "second": 12}
